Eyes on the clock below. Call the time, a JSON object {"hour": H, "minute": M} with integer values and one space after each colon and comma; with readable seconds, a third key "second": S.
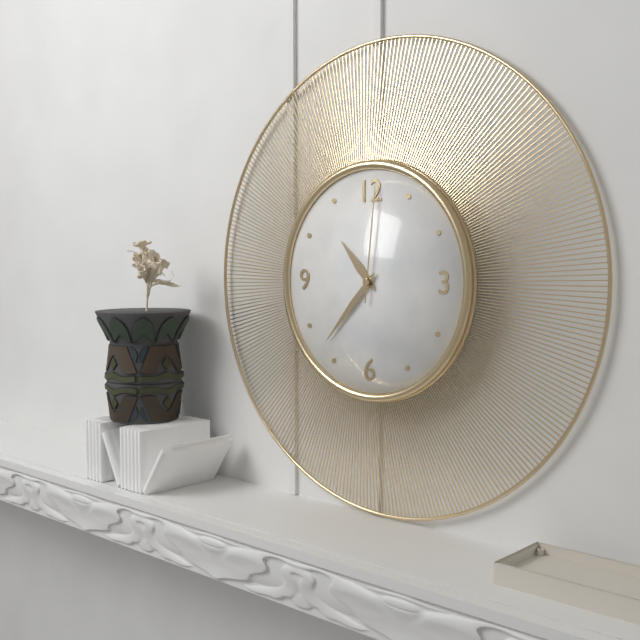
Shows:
{"hour": 10, "minute": 37, "second": 1}
